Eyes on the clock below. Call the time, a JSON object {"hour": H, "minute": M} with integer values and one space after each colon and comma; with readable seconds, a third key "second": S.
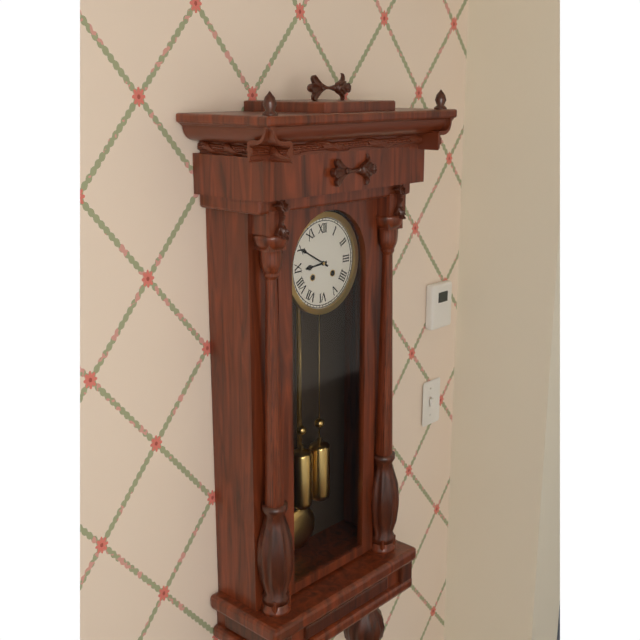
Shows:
{"hour": 8, "minute": 50}
